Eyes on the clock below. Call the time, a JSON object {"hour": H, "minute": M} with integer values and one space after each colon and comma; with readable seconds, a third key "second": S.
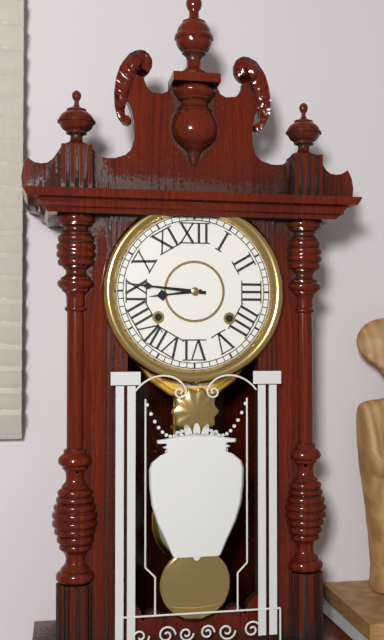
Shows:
{"hour": 8, "minute": 46}
